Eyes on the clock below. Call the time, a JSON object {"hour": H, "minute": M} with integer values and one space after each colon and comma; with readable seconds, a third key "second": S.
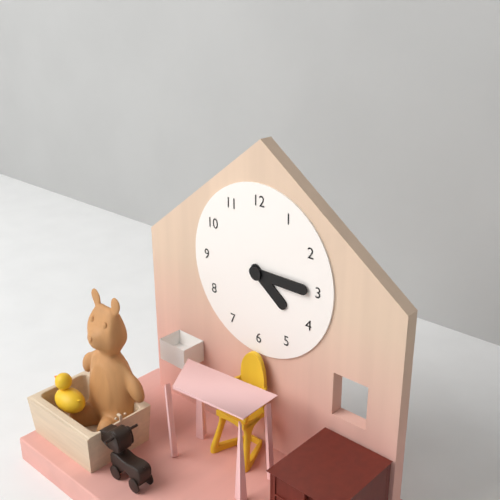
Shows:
{"hour": 4, "minute": 15}
